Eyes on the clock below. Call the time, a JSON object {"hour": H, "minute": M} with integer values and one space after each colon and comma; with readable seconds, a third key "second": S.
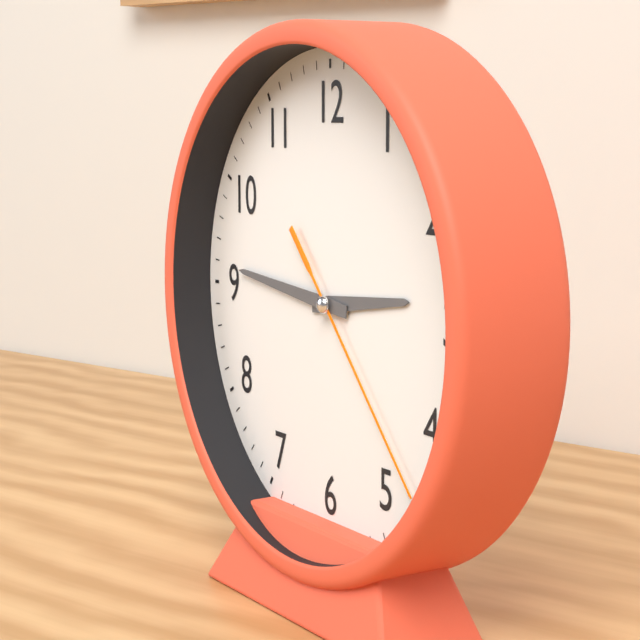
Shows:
{"hour": 2, "minute": 46, "second": 23}
